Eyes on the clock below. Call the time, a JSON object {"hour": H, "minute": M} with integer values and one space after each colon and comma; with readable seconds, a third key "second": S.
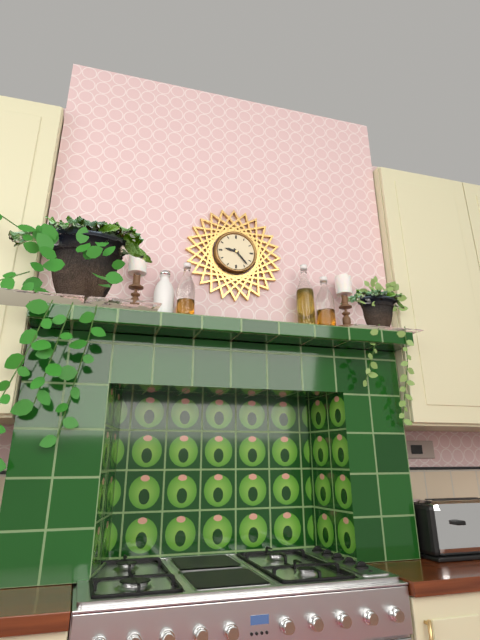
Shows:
{"hour": 9, "minute": 23}
